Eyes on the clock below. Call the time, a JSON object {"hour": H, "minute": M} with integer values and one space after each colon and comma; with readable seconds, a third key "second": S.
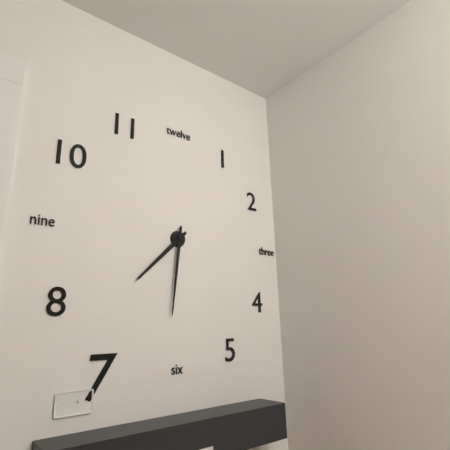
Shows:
{"hour": 7, "minute": 31}
